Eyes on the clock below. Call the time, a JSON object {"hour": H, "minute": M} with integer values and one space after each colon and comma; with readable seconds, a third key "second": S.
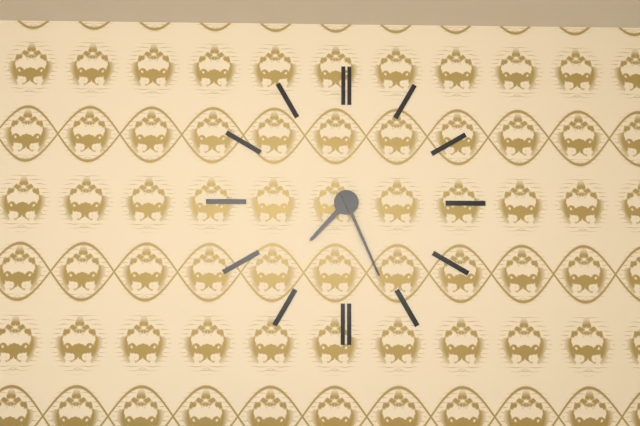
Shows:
{"hour": 7, "minute": 26}
